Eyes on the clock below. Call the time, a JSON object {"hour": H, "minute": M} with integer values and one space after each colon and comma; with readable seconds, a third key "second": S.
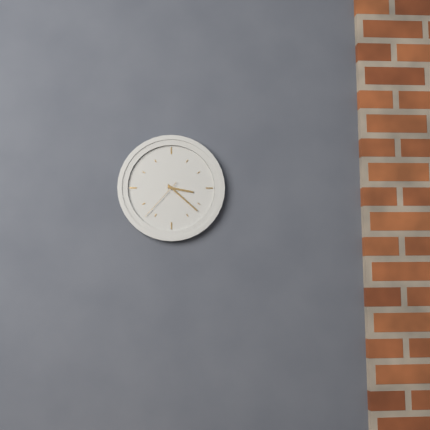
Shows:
{"hour": 3, "minute": 22}
